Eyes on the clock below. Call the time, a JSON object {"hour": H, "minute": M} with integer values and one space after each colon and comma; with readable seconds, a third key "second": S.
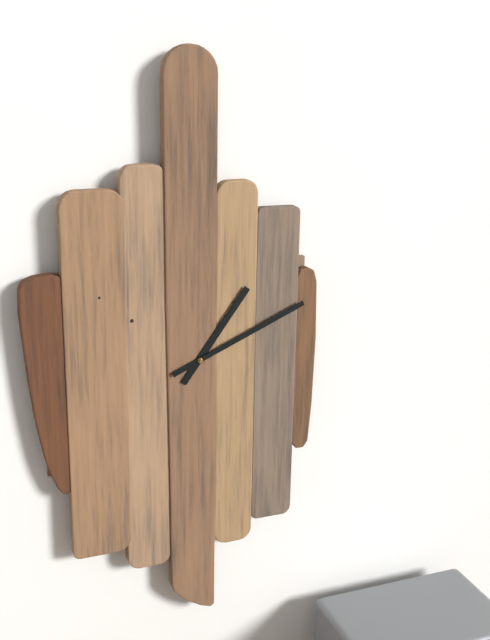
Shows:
{"hour": 1, "minute": 11}
